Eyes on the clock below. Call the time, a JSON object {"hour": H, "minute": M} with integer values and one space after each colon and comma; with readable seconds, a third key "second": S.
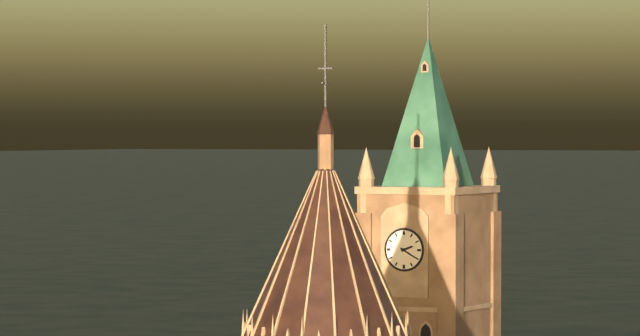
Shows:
{"hour": 2, "minute": 20}
